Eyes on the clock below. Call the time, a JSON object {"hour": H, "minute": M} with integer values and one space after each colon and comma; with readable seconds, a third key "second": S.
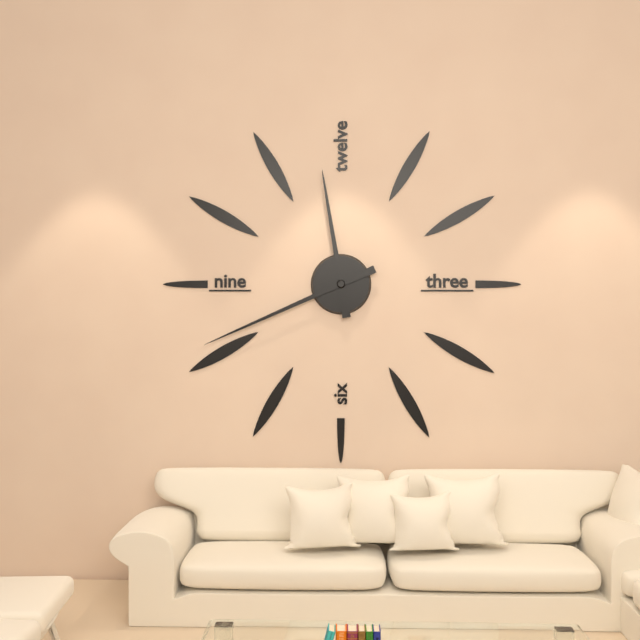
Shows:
{"hour": 11, "minute": 41}
